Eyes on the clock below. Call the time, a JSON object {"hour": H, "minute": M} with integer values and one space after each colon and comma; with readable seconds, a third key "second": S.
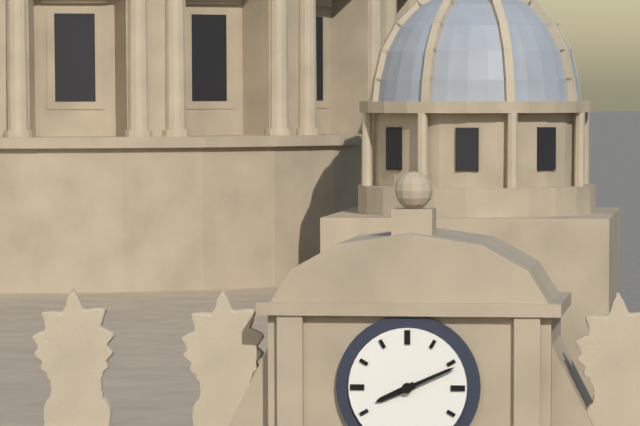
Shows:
{"hour": 8, "minute": 11}
